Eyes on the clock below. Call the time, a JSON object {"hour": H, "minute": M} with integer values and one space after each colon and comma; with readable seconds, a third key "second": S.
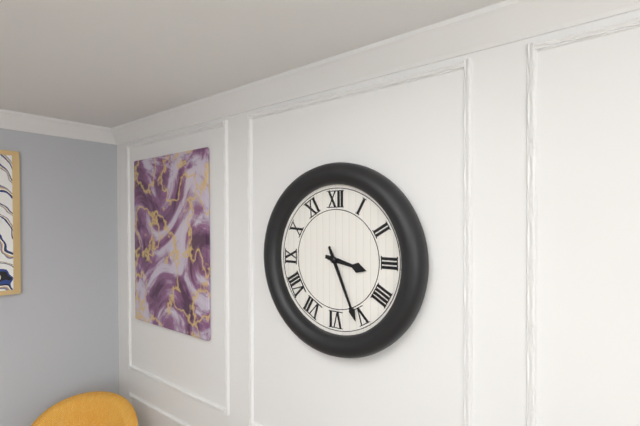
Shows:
{"hour": 3, "minute": 26}
